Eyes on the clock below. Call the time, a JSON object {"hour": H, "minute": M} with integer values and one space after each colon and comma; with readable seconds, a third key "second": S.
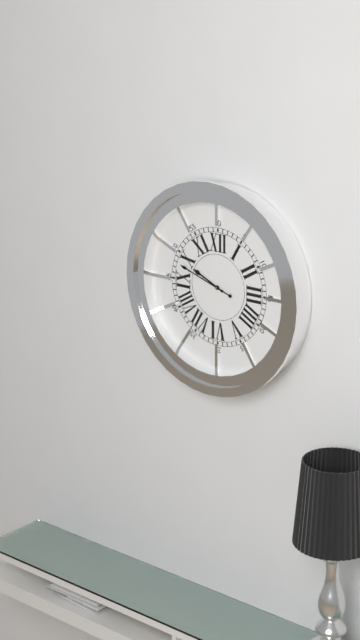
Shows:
{"hour": 9, "minute": 48}
